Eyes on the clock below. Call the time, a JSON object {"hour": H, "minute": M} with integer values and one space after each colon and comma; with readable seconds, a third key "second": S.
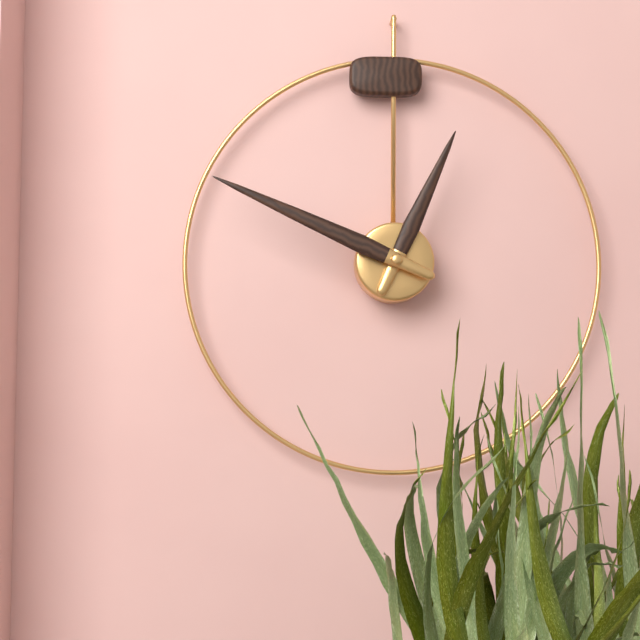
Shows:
{"hour": 12, "minute": 49}
